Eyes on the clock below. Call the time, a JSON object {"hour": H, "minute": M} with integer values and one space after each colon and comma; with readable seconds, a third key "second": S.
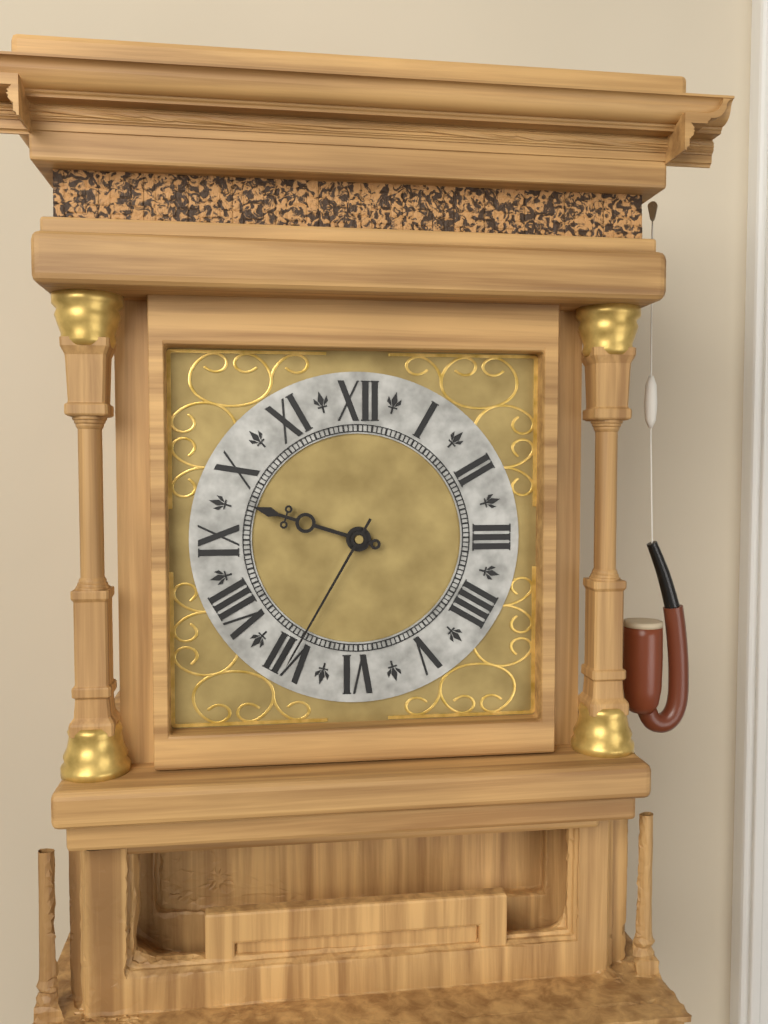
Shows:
{"hour": 9, "minute": 35}
